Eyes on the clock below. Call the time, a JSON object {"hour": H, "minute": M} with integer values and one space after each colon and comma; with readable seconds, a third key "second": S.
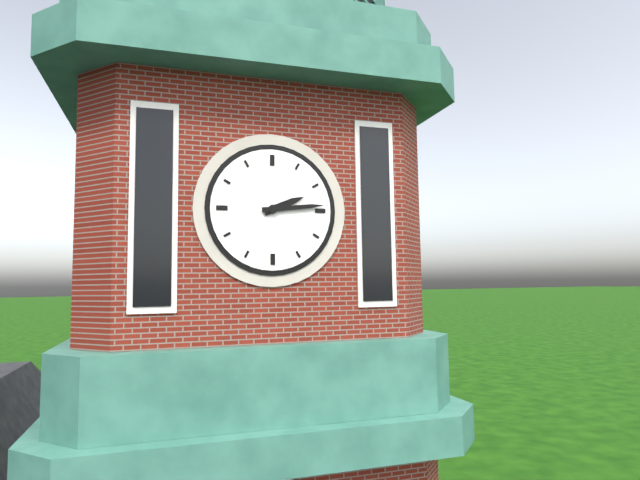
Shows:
{"hour": 2, "minute": 14}
